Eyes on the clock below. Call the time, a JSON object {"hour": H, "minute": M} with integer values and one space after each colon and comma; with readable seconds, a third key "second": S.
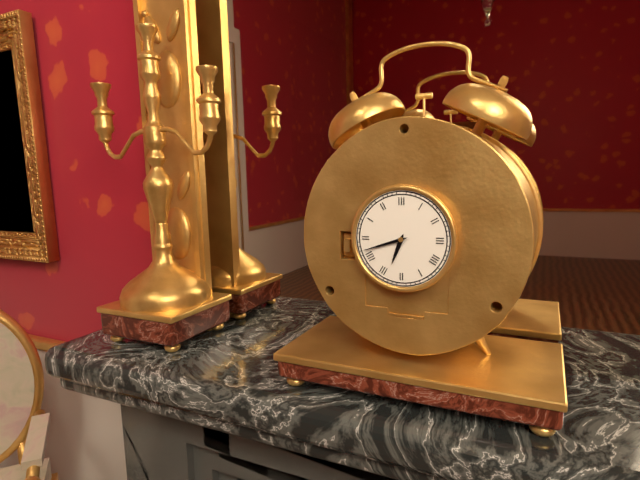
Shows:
{"hour": 6, "minute": 42}
